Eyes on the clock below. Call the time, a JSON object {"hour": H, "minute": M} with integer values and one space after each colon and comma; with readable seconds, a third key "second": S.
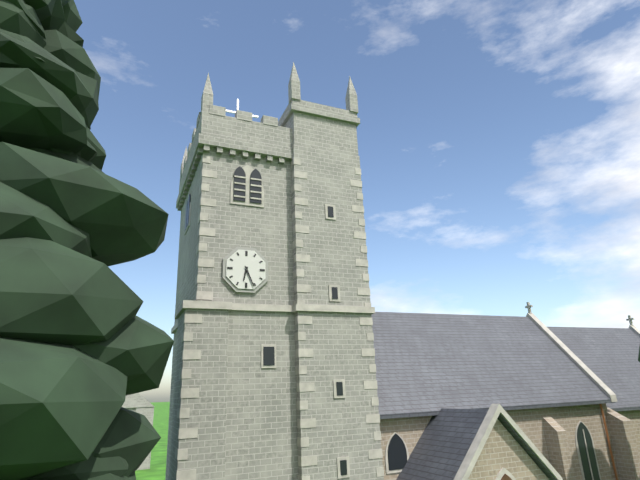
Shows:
{"hour": 6, "minute": 26}
